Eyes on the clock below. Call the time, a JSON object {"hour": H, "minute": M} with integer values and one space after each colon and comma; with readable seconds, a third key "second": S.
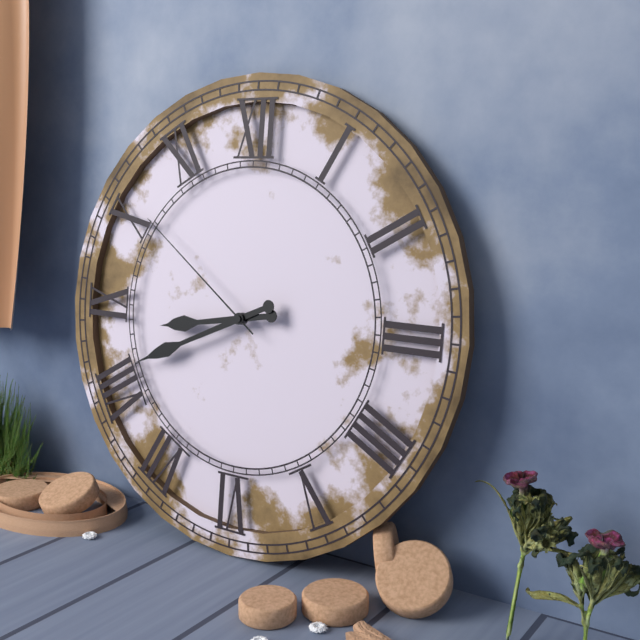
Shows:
{"hour": 8, "minute": 41, "second": 51}
